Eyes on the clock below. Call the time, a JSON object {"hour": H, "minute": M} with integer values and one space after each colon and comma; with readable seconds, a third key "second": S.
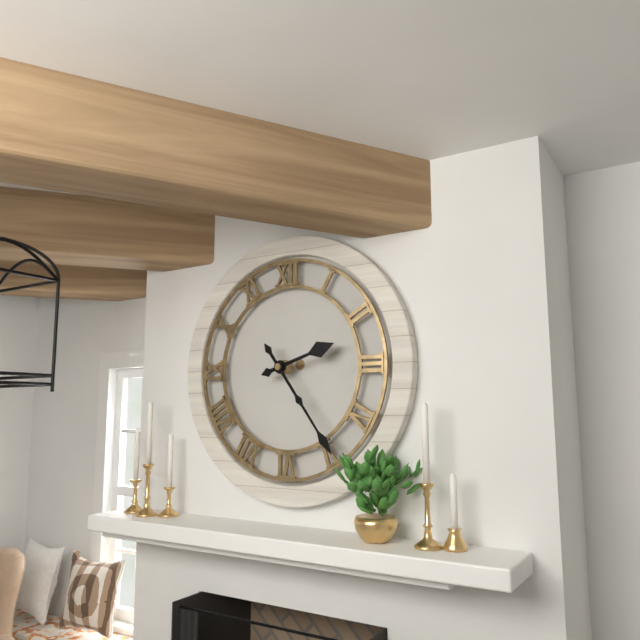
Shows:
{"hour": 2, "minute": 24}
